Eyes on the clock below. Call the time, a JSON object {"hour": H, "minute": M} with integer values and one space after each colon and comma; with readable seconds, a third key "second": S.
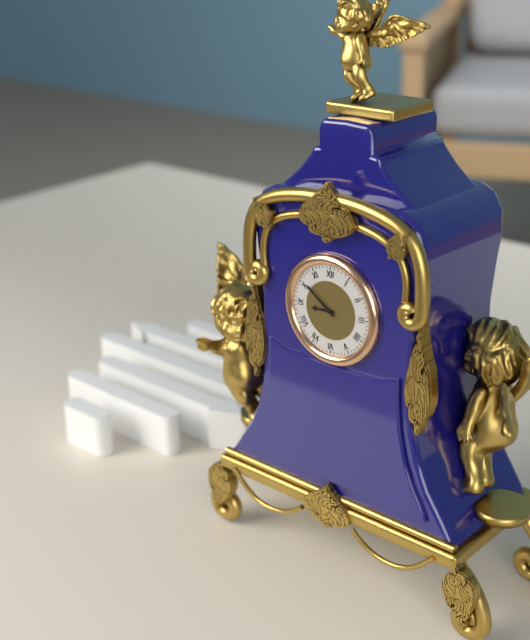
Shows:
{"hour": 8, "minute": 51}
